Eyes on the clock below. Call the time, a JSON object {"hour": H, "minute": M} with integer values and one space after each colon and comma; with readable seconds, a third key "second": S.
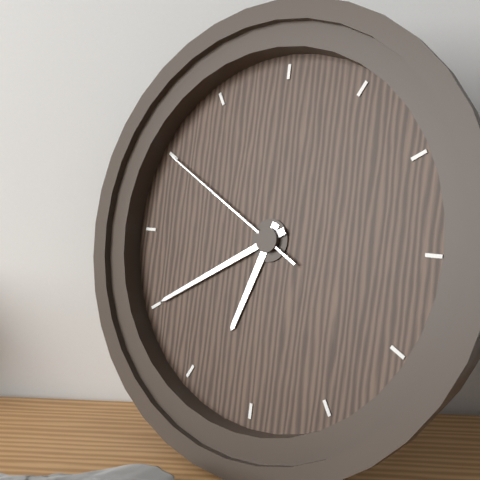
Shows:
{"hour": 6, "minute": 40, "second": 50}
